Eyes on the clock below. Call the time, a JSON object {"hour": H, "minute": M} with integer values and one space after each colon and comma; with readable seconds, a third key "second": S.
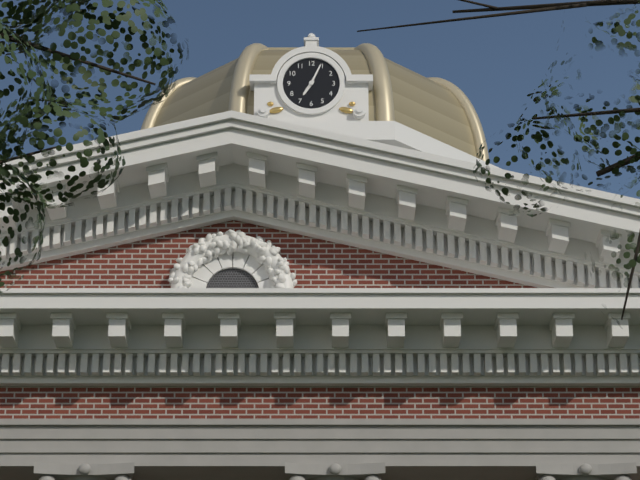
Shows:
{"hour": 7, "minute": 4}
